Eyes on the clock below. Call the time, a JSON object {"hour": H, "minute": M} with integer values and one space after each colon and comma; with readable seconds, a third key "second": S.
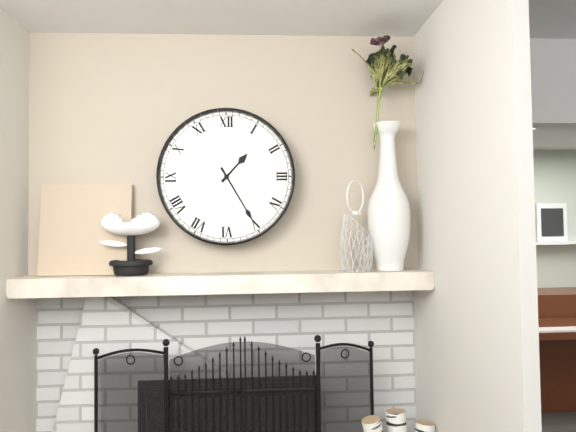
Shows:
{"hour": 1, "minute": 25}
